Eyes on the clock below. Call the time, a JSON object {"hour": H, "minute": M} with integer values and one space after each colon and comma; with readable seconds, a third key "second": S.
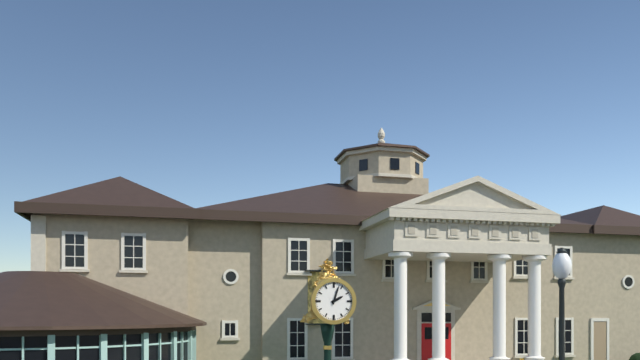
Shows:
{"hour": 2, "minute": 3}
